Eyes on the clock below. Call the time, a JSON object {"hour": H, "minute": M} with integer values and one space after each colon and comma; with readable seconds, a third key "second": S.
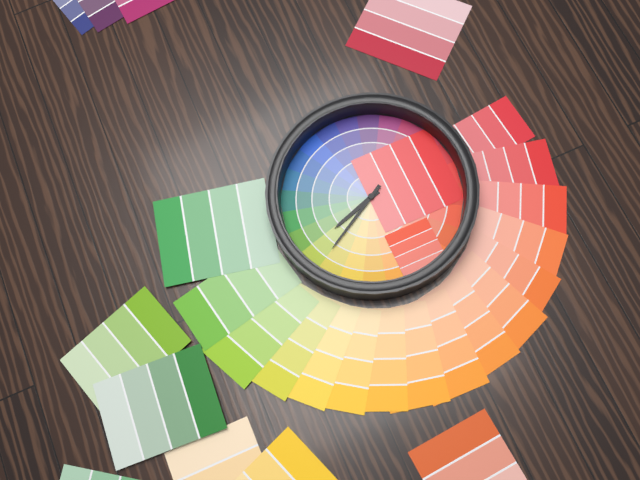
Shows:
{"hour": 5, "minute": 25}
